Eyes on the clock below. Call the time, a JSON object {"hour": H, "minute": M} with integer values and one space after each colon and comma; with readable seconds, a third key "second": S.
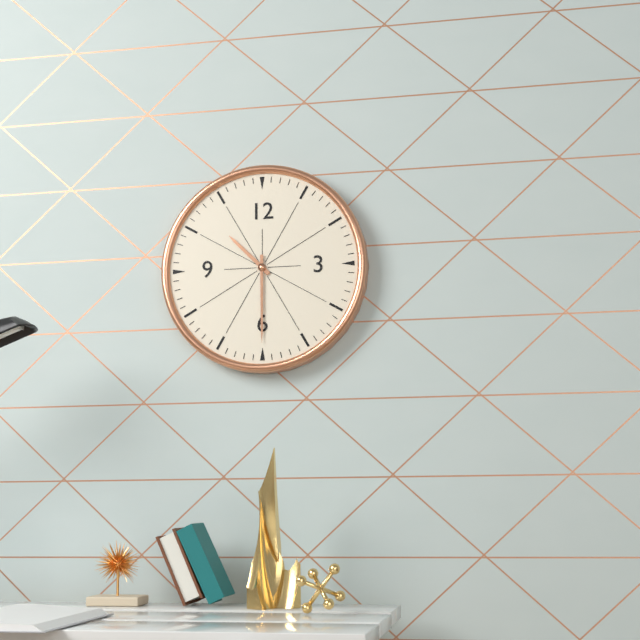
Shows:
{"hour": 10, "minute": 30}
